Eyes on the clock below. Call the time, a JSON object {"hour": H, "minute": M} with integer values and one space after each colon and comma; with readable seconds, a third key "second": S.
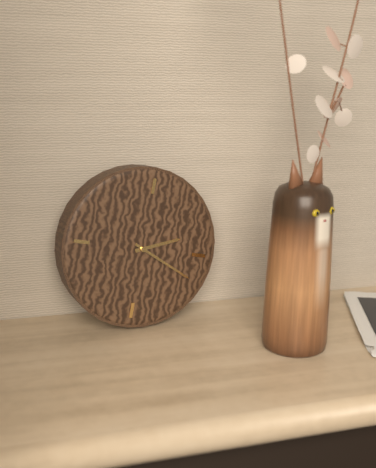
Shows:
{"hour": 2, "minute": 19}
